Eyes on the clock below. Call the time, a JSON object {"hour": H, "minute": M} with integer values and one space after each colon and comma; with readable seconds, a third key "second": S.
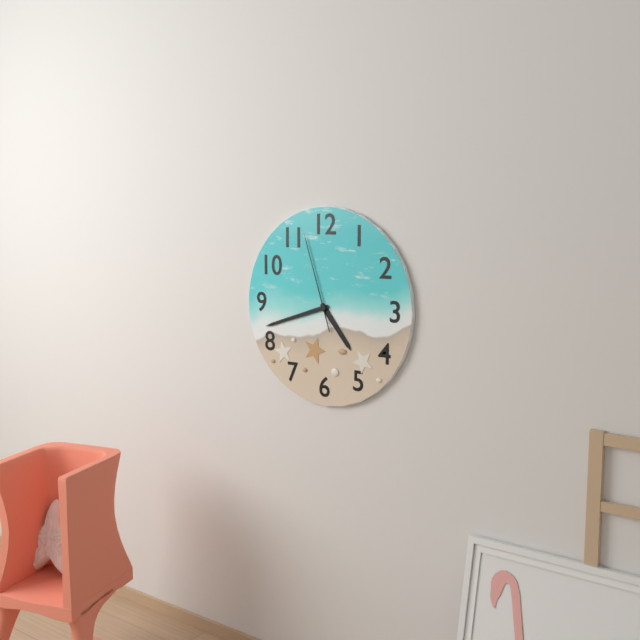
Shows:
{"hour": 4, "minute": 42, "second": 57}
